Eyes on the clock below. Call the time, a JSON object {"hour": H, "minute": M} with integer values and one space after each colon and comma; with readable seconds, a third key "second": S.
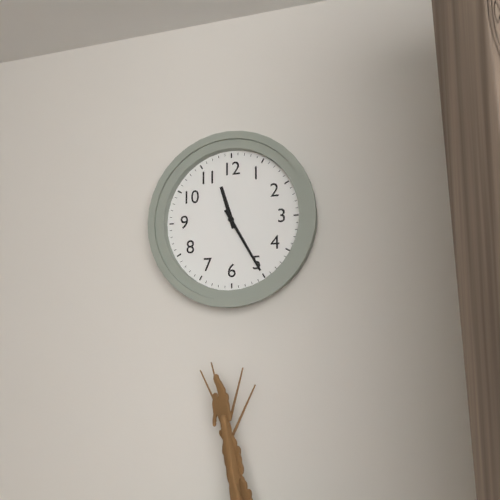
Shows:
{"hour": 11, "minute": 25}
